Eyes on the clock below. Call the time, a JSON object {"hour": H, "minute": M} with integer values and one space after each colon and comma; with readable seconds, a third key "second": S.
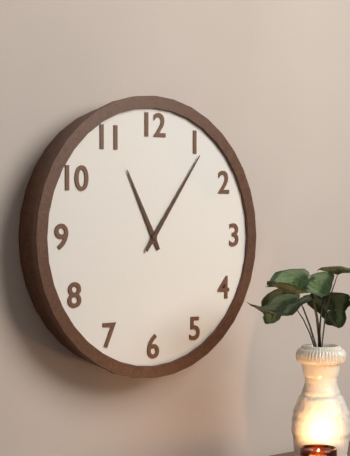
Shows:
{"hour": 11, "minute": 6}
